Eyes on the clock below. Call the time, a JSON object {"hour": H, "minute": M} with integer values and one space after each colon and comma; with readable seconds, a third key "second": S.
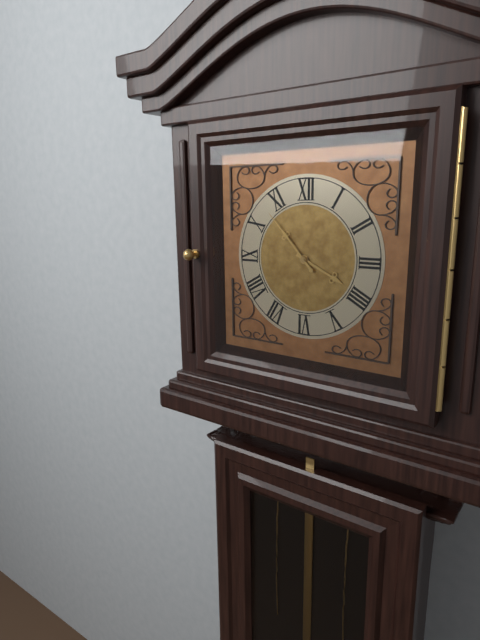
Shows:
{"hour": 3, "minute": 53}
